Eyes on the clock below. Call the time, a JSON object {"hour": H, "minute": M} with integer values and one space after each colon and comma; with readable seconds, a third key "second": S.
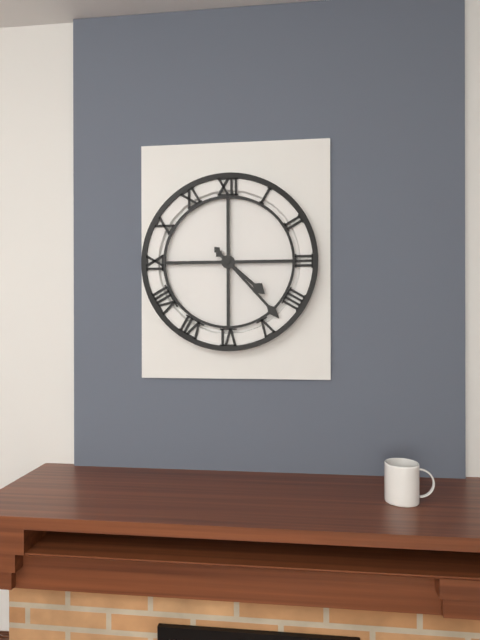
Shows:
{"hour": 4, "minute": 23}
